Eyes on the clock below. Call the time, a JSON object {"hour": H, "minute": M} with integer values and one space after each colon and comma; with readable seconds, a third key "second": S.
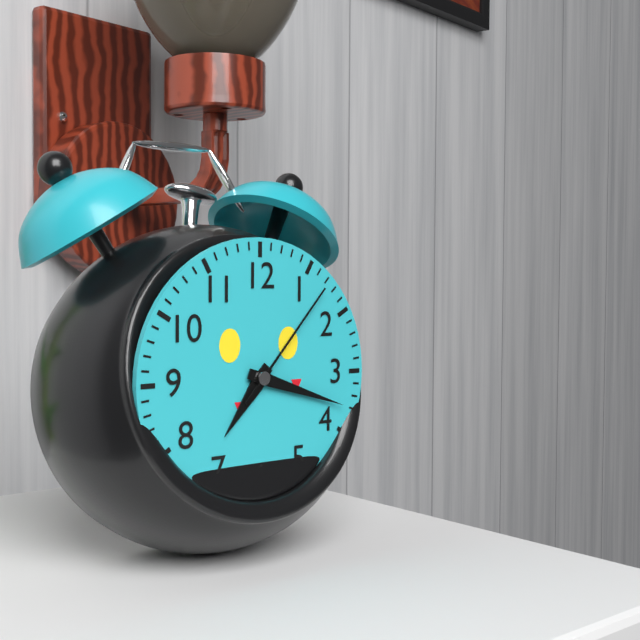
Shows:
{"hour": 7, "minute": 18, "second": 7}
